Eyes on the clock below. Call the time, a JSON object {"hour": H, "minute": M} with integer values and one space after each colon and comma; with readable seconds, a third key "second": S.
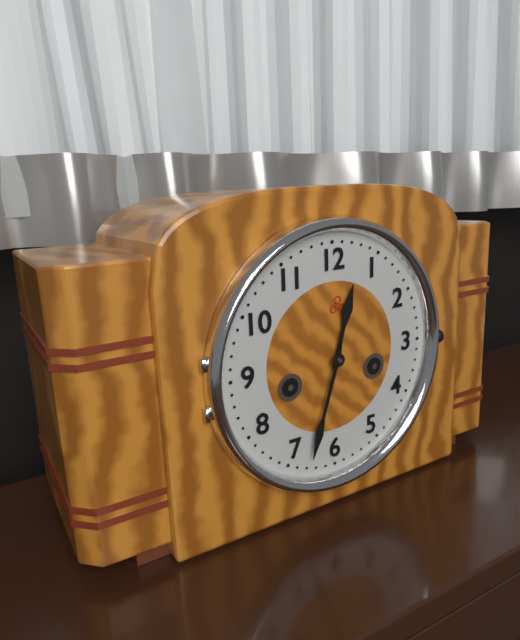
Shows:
{"hour": 12, "minute": 33}
